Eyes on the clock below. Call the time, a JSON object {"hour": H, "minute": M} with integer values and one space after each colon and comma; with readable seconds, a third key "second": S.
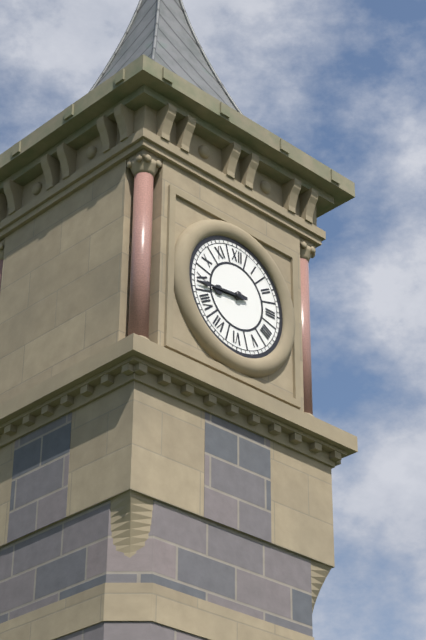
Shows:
{"hour": 8, "minute": 44}
